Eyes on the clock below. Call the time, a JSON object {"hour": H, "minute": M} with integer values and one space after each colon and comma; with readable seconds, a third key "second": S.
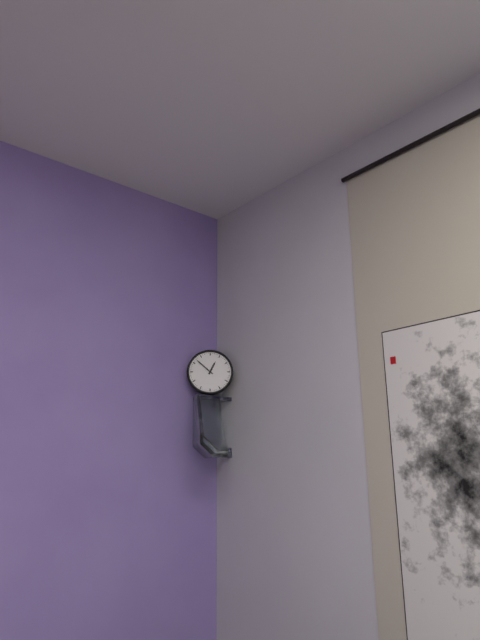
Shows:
{"hour": 12, "minute": 52}
